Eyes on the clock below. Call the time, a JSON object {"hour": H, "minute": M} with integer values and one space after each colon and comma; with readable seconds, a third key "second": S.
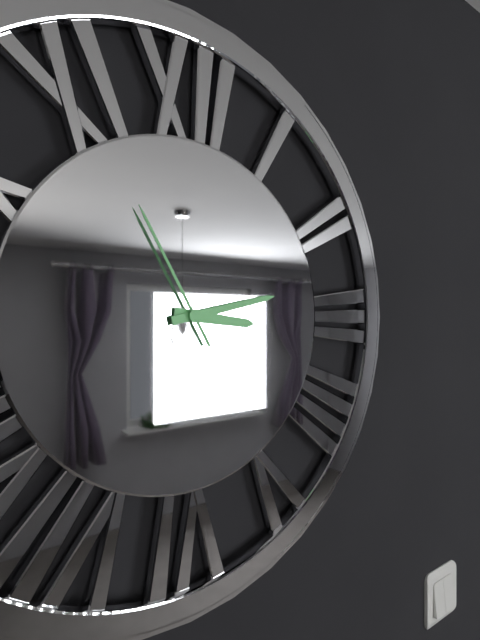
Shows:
{"hour": 3, "minute": 13, "second": 55}
